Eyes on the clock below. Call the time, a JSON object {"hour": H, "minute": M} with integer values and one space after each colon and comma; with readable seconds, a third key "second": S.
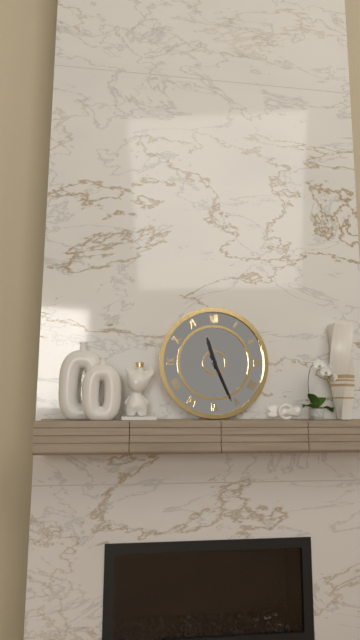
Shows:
{"hour": 11, "minute": 26}
